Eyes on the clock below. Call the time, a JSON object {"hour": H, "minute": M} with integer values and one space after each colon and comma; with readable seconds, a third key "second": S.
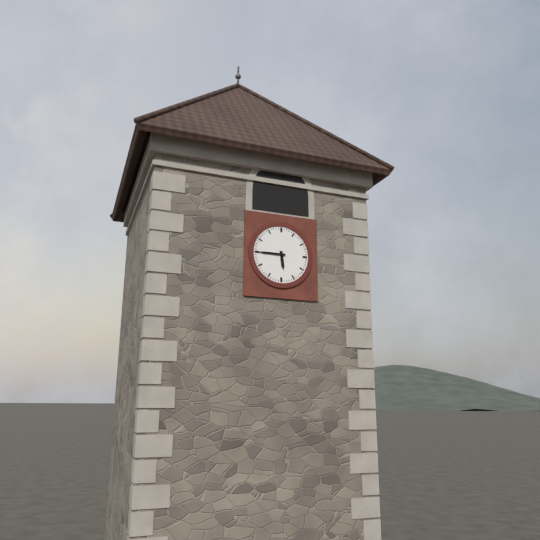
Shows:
{"hour": 5, "minute": 45}
